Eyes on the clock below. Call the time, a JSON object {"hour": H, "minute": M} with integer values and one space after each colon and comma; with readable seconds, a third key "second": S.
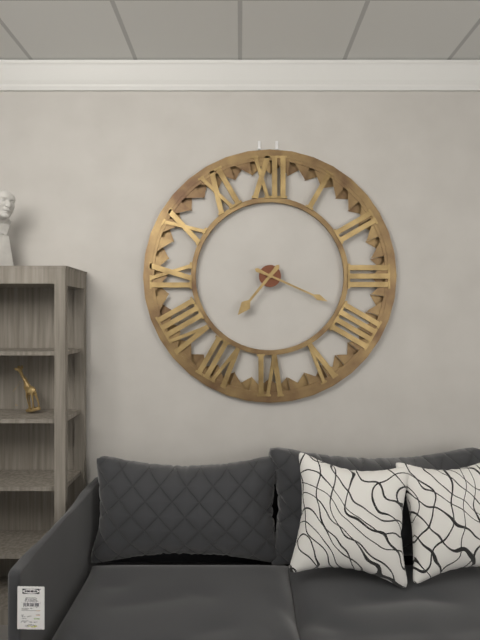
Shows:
{"hour": 7, "minute": 19}
